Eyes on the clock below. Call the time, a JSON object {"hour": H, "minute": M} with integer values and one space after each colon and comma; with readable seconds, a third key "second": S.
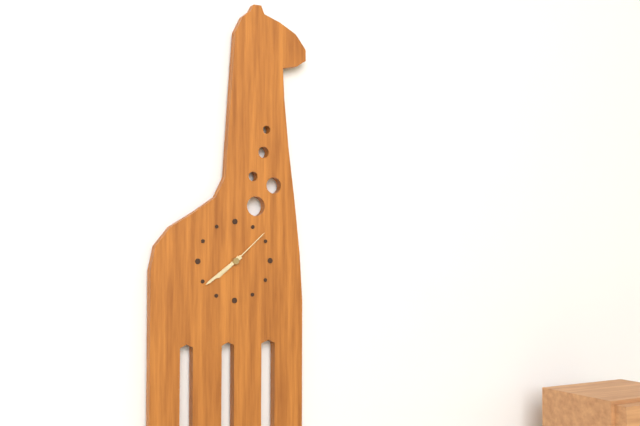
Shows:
{"hour": 7, "minute": 39, "second": 8}
